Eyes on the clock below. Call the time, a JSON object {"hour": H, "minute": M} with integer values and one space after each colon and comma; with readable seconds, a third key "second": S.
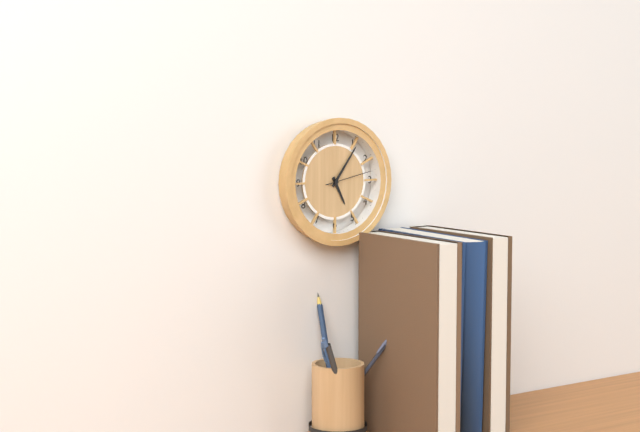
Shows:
{"hour": 5, "minute": 6}
